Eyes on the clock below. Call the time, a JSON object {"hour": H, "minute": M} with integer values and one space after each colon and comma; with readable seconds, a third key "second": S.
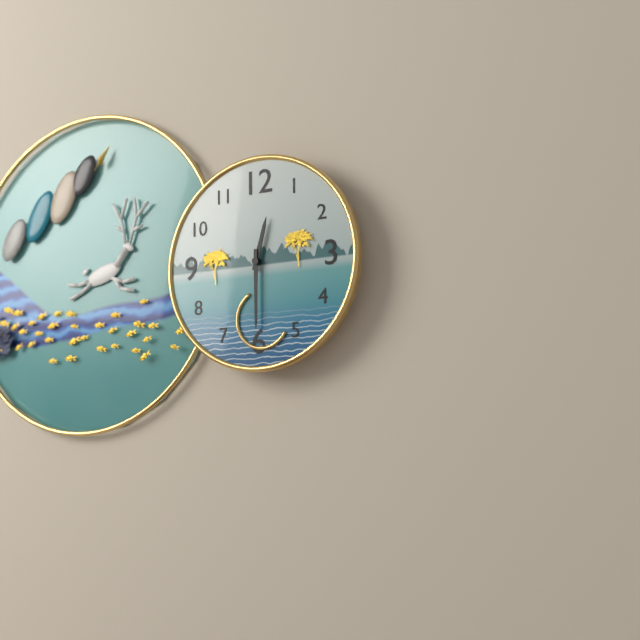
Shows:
{"hour": 12, "minute": 30}
